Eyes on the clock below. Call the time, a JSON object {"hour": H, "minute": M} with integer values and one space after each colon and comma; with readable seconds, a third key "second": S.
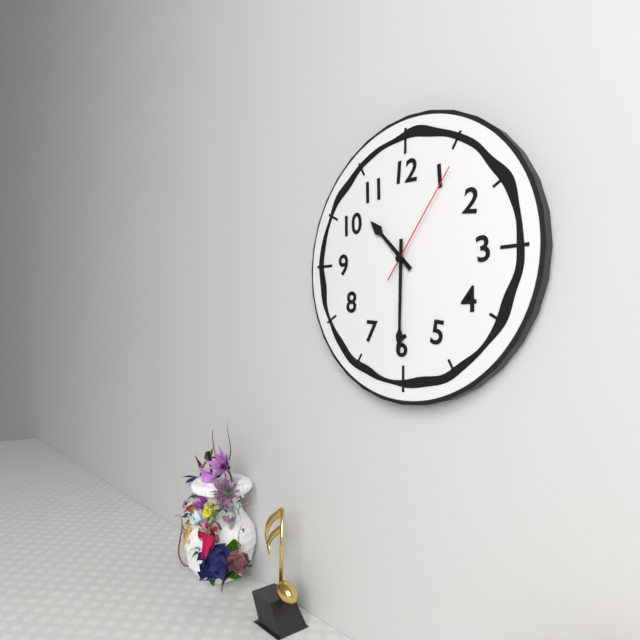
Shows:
{"hour": 10, "minute": 30, "second": 6}
